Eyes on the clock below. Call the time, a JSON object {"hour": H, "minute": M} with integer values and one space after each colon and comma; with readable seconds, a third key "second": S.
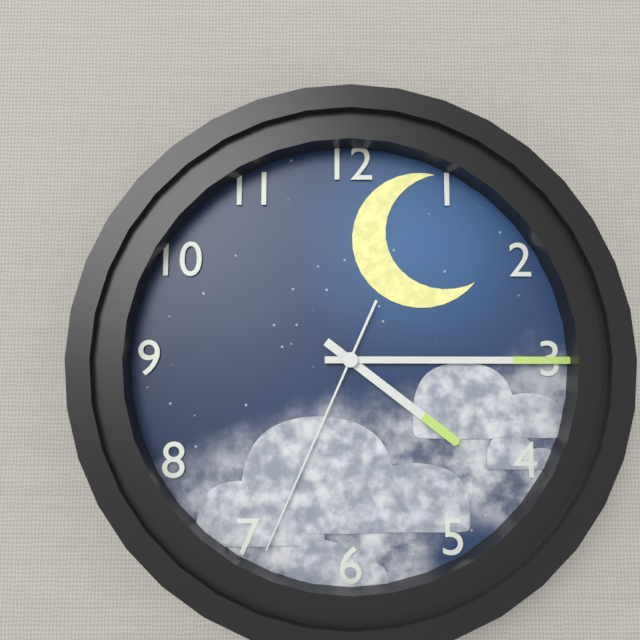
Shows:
{"hour": 4, "minute": 15, "second": 34}
